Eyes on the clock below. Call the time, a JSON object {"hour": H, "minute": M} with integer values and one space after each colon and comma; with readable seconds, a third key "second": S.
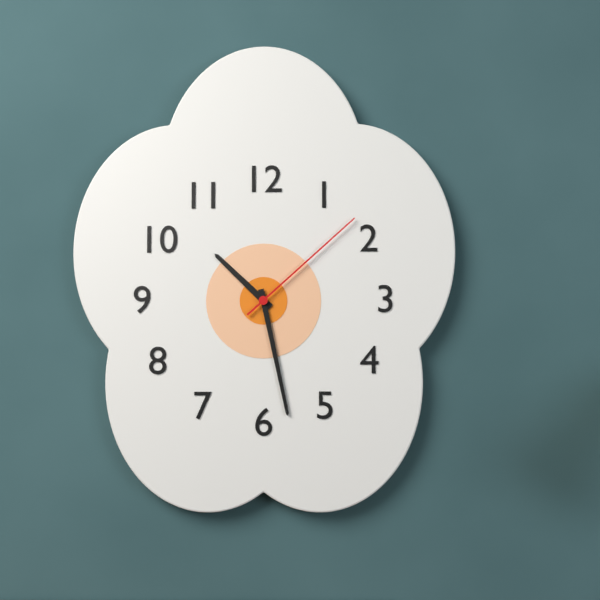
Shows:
{"hour": 10, "minute": 28, "second": 8}
